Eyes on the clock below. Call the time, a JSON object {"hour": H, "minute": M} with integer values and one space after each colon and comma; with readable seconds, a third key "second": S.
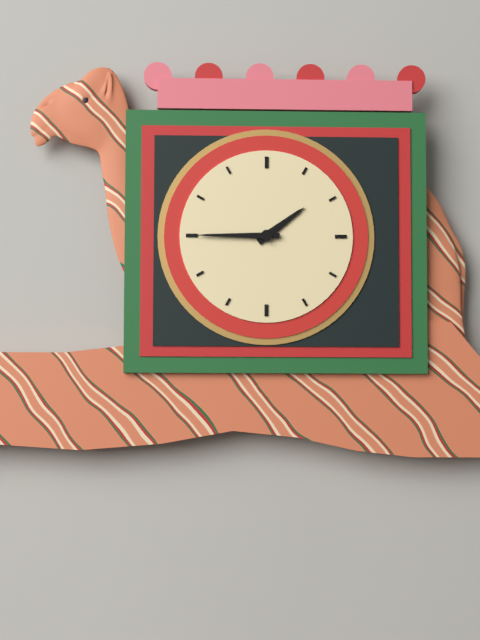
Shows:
{"hour": 1, "minute": 45}
